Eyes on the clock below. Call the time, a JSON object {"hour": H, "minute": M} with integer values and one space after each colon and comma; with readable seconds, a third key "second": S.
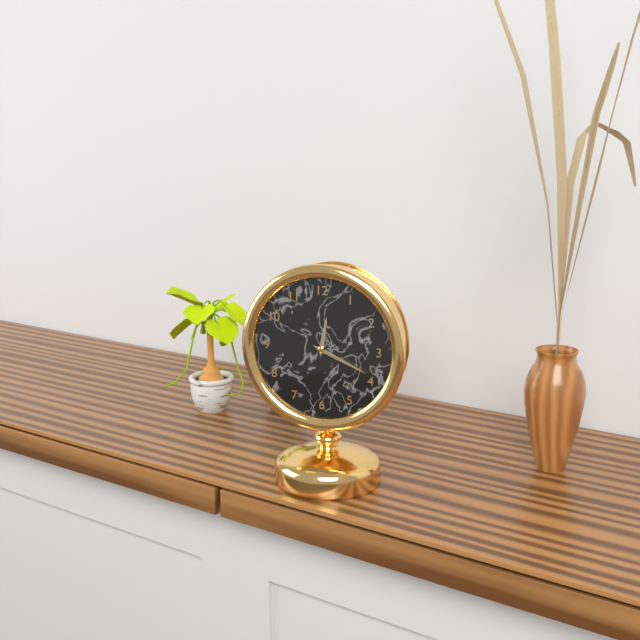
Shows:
{"hour": 12, "minute": 19}
